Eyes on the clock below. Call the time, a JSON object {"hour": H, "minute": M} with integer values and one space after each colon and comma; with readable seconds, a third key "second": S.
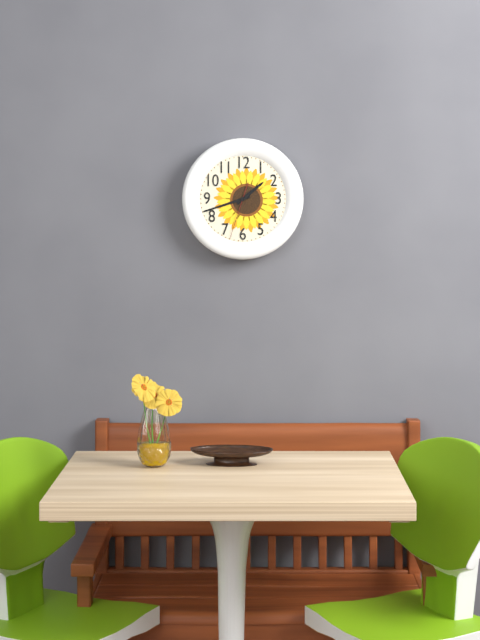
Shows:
{"hour": 1, "minute": 42, "second": 33}
